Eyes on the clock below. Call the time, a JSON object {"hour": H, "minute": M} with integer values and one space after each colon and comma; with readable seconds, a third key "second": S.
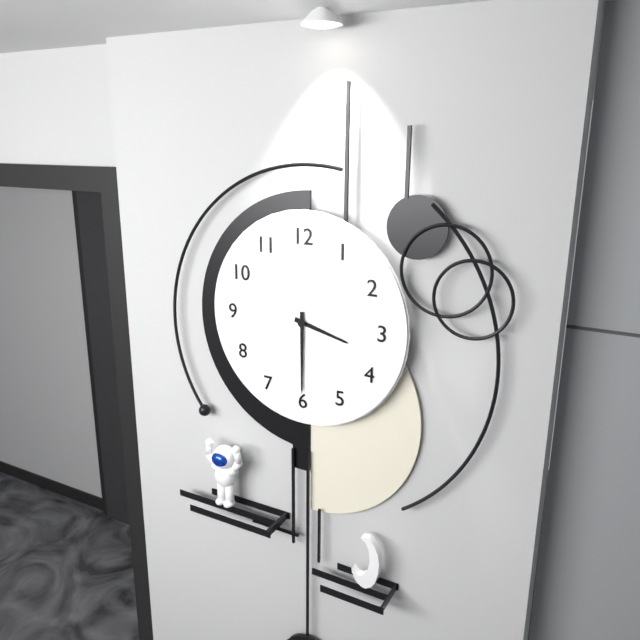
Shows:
{"hour": 3, "minute": 30}
